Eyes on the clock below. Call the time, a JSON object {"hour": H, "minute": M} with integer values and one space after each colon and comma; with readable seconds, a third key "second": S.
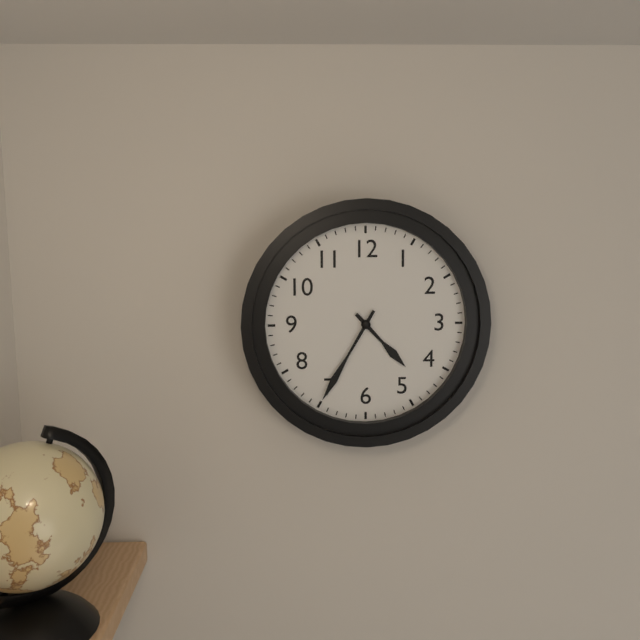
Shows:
{"hour": 4, "minute": 35}
